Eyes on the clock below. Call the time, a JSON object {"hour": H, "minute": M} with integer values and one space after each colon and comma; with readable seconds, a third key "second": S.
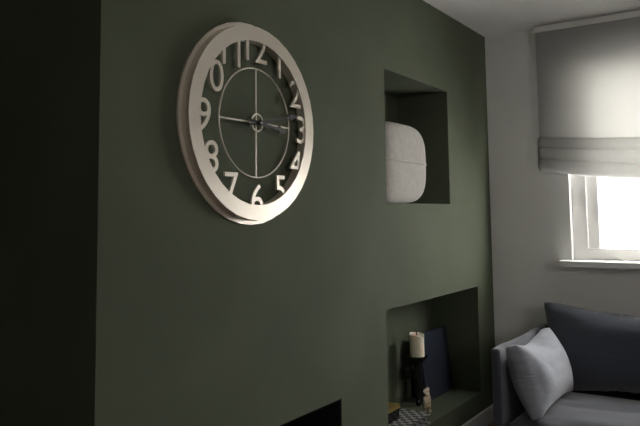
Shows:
{"hour": 3, "minute": 13}
